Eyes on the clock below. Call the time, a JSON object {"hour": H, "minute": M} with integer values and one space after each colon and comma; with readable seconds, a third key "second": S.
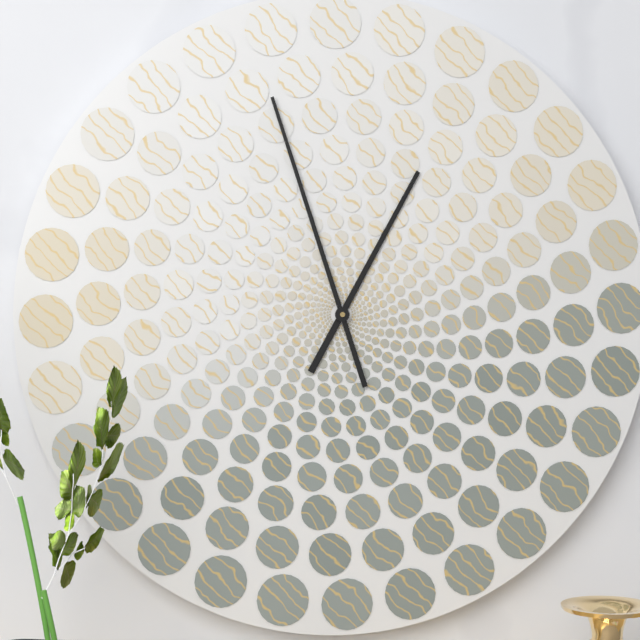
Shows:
{"hour": 12, "minute": 57}
